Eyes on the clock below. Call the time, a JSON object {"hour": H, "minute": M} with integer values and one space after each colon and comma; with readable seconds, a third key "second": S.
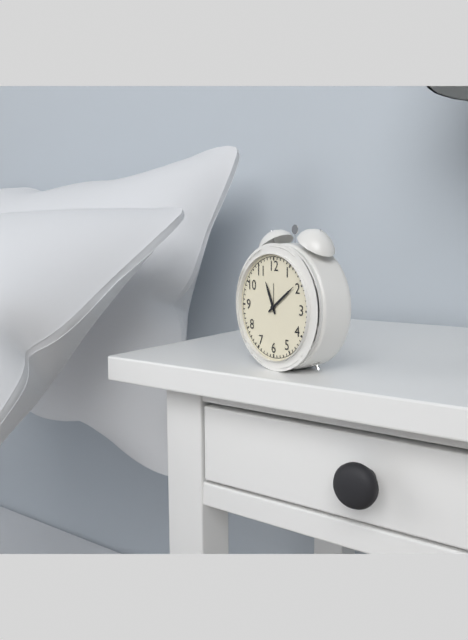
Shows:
{"hour": 11, "minute": 9}
